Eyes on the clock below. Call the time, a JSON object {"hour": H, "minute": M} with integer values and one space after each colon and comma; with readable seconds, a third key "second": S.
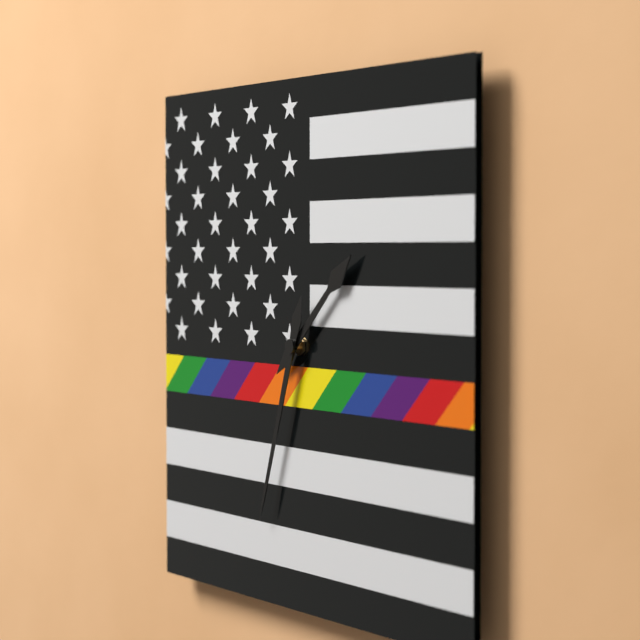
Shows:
{"hour": 1, "minute": 33}
